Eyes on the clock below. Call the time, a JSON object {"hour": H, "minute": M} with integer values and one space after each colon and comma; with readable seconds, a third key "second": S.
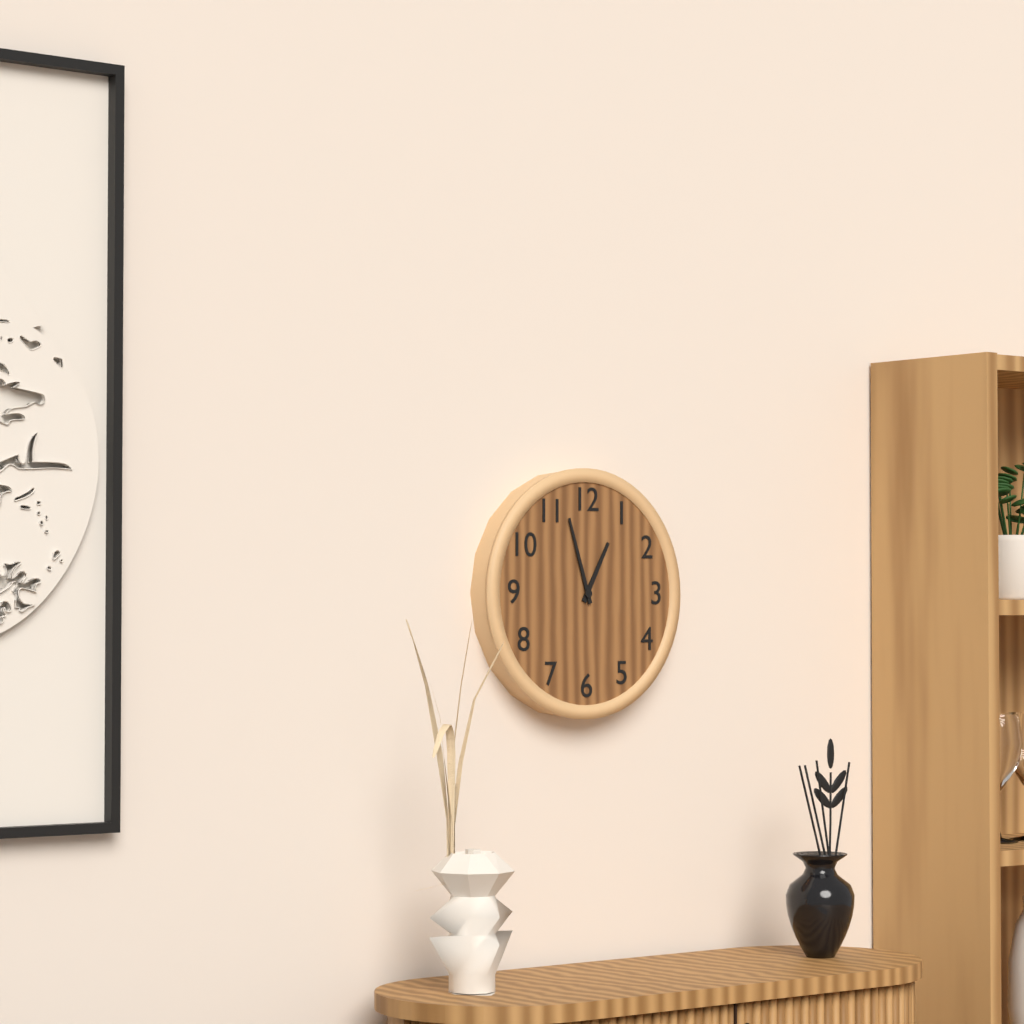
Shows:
{"hour": 12, "minute": 57}
